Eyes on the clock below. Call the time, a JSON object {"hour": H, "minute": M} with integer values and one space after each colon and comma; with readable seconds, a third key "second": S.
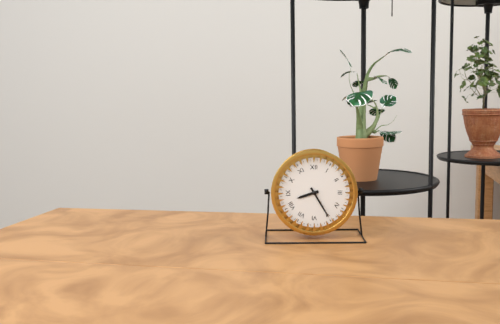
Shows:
{"hour": 8, "minute": 25}
